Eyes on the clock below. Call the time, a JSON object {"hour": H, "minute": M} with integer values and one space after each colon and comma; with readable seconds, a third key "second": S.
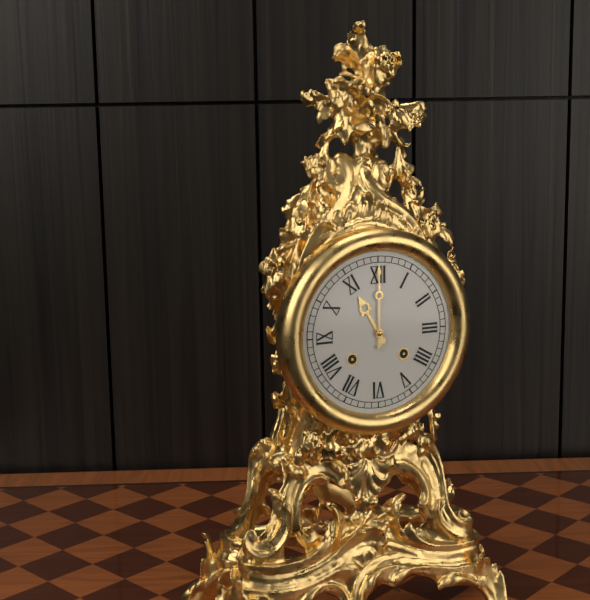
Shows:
{"hour": 11, "minute": 0}
